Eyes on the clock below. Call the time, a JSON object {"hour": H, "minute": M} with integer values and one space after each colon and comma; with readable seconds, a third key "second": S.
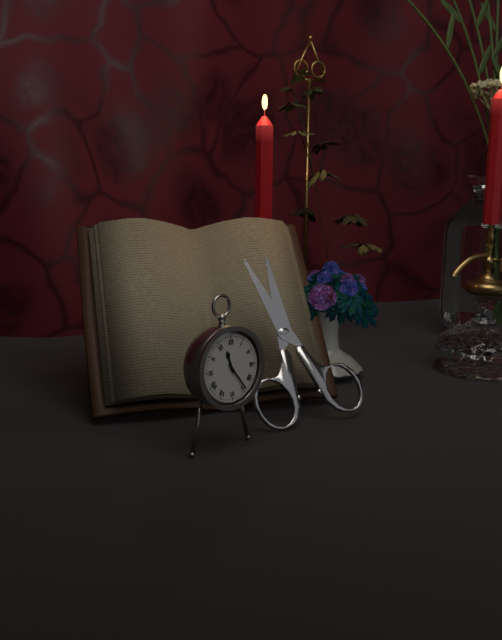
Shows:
{"hour": 11, "minute": 24}
